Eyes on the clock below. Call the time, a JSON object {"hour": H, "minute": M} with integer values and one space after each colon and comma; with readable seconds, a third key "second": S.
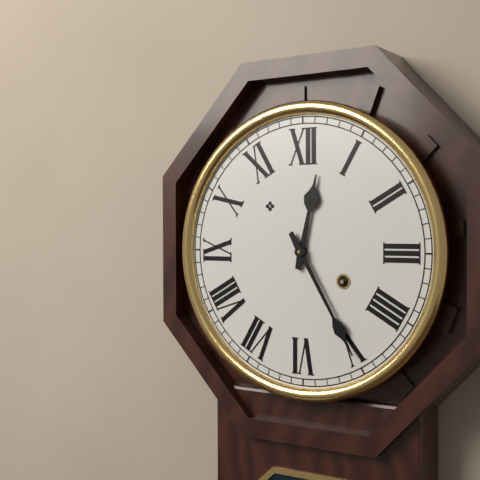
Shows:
{"hour": 12, "minute": 25}
